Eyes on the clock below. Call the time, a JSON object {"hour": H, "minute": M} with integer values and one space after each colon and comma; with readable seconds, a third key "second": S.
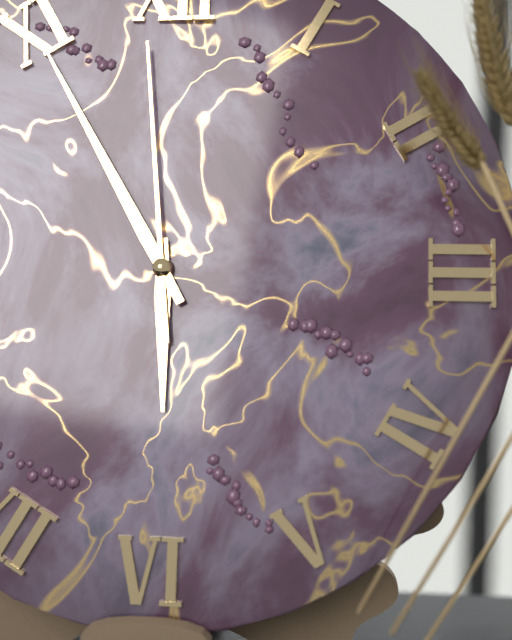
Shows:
{"hour": 5, "minute": 55, "second": 59}
